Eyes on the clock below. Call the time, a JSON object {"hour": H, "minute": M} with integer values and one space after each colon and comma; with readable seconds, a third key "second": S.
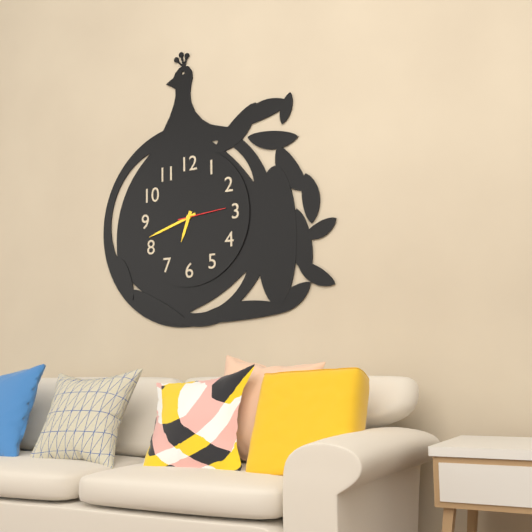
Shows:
{"hour": 6, "minute": 42}
